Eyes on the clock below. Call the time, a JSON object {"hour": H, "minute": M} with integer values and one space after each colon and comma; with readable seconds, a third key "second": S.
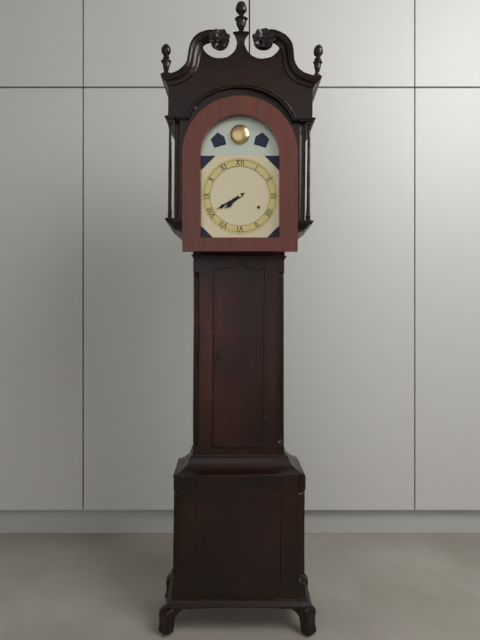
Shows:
{"hour": 7, "minute": 40}
